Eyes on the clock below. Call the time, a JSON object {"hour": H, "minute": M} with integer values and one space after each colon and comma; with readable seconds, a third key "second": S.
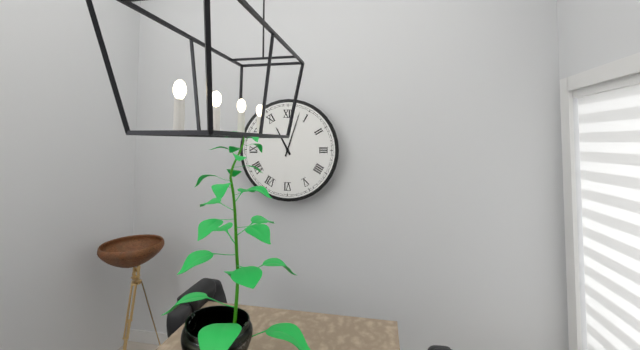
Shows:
{"hour": 11, "minute": 3}
